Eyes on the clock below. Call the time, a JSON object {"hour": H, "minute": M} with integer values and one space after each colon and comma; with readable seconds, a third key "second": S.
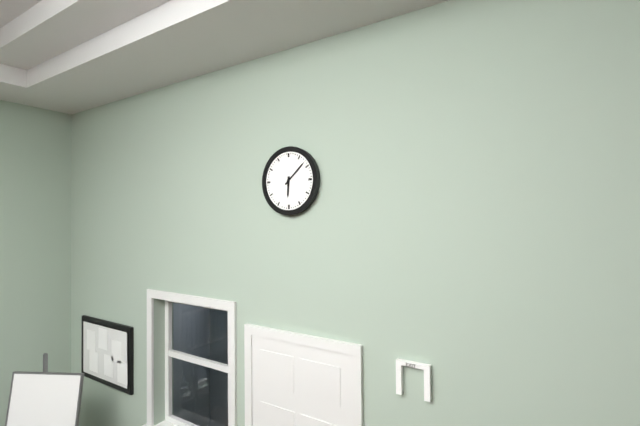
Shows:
{"hour": 6, "minute": 8}
